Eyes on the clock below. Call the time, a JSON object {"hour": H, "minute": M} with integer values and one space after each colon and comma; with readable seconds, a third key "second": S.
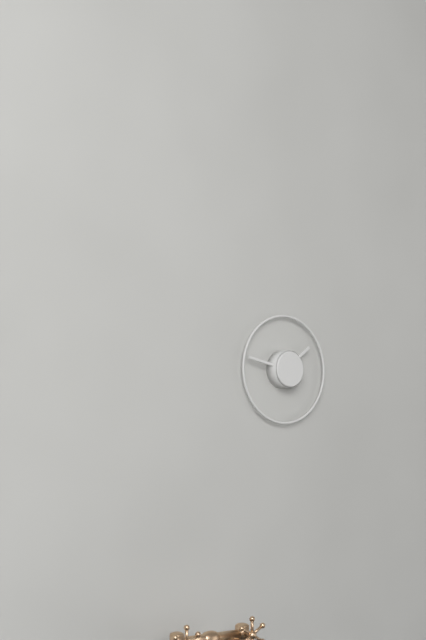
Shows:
{"hour": 1, "minute": 47}
